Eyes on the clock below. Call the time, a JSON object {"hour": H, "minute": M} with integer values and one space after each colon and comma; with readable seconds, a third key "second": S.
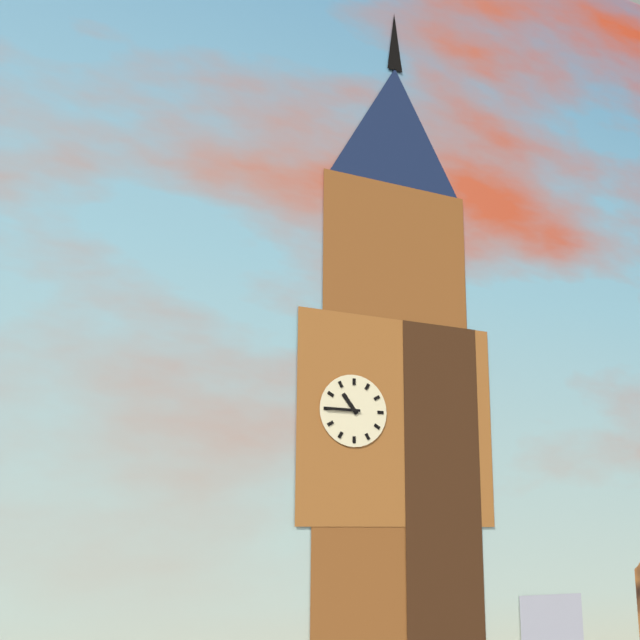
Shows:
{"hour": 10, "minute": 45}
